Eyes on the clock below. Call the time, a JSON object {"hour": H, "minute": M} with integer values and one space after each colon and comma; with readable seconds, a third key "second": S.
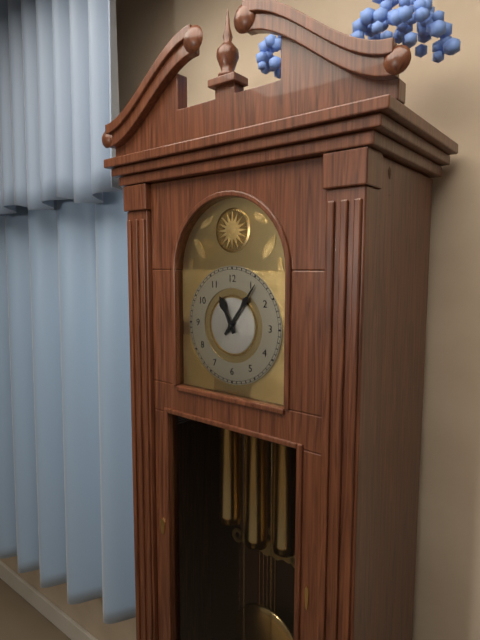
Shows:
{"hour": 11, "minute": 6}
